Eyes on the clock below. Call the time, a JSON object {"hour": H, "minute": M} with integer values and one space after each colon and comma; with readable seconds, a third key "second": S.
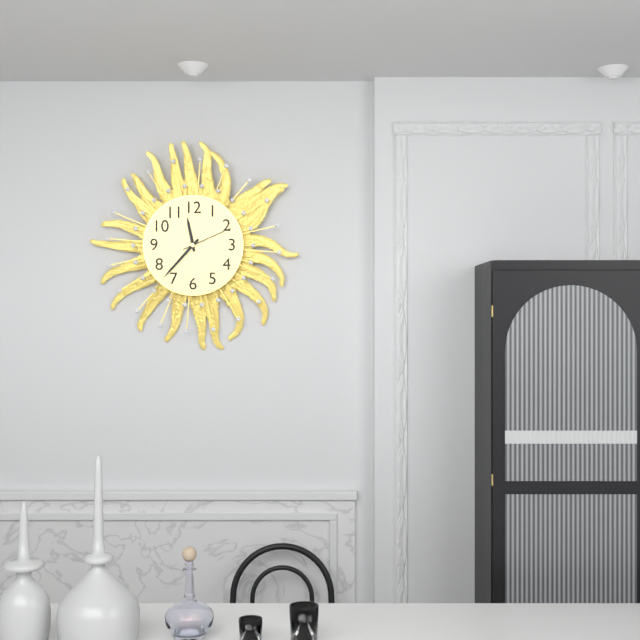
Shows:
{"hour": 11, "minute": 37, "second": 11}
